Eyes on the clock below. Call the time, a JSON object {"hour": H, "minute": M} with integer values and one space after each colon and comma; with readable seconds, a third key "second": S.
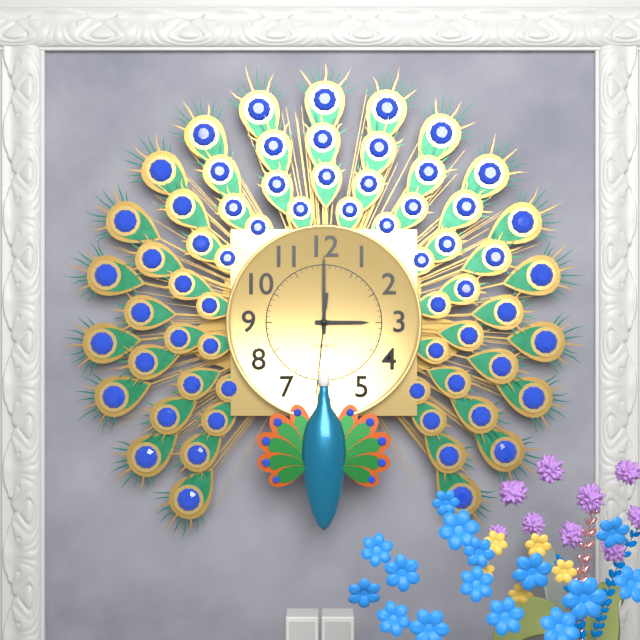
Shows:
{"hour": 3, "minute": 0, "second": 31}
